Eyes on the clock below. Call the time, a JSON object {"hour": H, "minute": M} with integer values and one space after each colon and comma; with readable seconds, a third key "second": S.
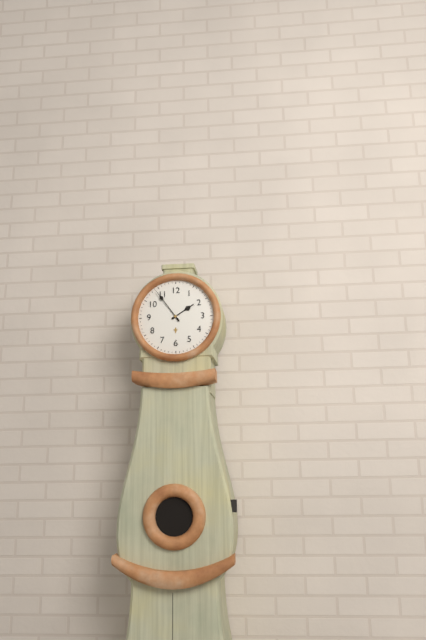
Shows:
{"hour": 1, "minute": 54}
